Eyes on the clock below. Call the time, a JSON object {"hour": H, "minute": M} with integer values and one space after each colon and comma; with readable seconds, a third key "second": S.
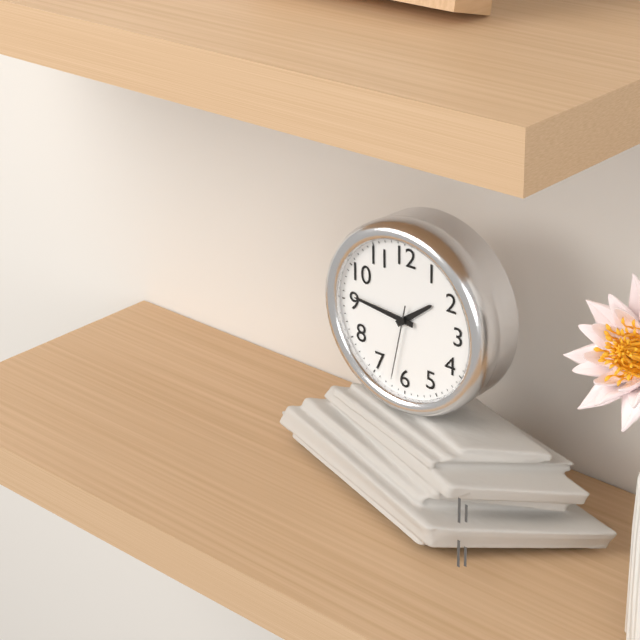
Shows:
{"hour": 1, "minute": 46, "second": 32}
